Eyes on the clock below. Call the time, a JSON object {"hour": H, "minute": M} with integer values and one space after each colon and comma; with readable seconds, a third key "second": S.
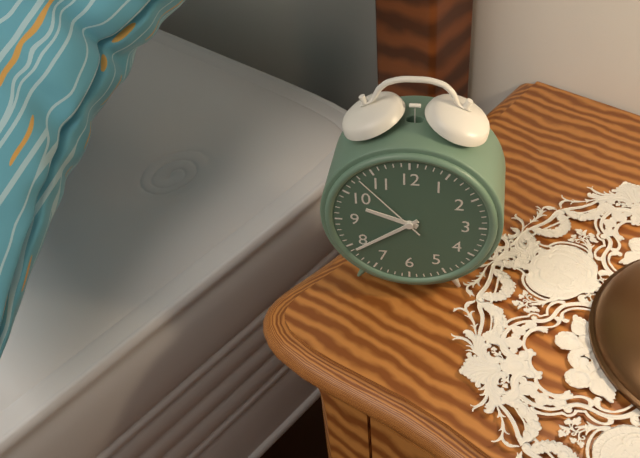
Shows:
{"hour": 9, "minute": 39, "second": 53}
